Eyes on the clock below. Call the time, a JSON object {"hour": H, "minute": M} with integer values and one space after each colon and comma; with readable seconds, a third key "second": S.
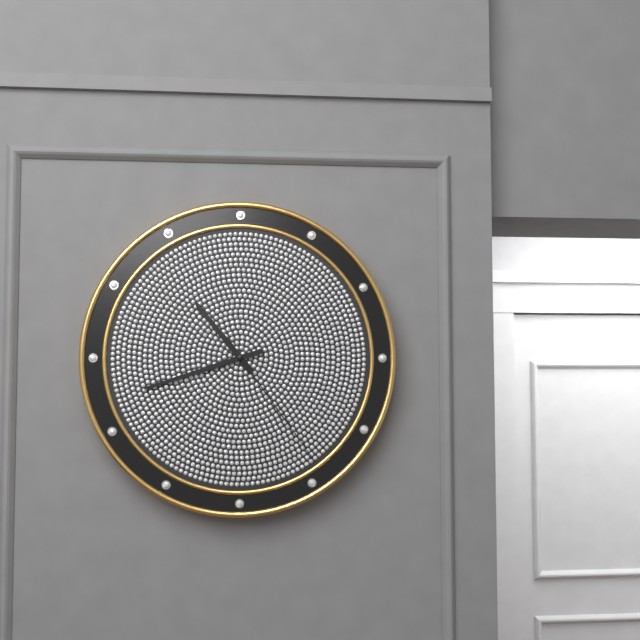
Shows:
{"hour": 10, "minute": 42, "second": 24}
